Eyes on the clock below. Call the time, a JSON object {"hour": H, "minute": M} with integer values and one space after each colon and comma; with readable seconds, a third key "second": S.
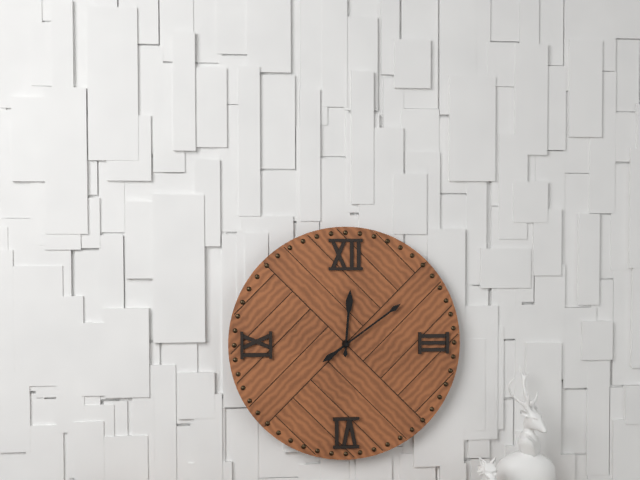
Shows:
{"hour": 12, "minute": 9}
